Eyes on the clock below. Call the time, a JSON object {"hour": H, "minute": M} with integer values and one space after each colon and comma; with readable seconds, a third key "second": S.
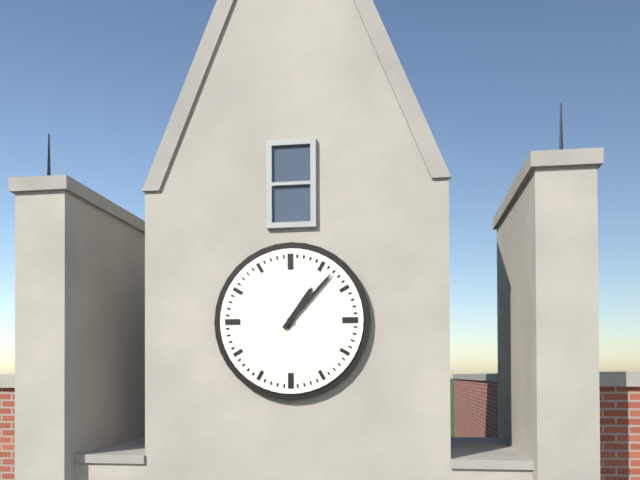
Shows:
{"hour": 1, "minute": 7}
